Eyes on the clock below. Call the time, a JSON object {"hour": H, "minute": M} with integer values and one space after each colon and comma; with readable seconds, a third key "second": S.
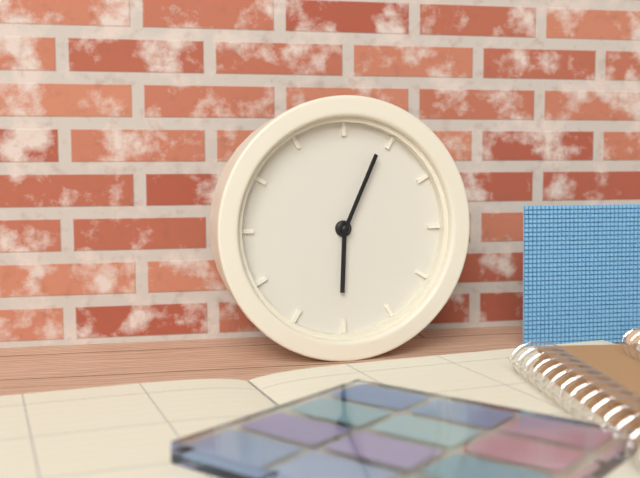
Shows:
{"hour": 6, "minute": 4}
